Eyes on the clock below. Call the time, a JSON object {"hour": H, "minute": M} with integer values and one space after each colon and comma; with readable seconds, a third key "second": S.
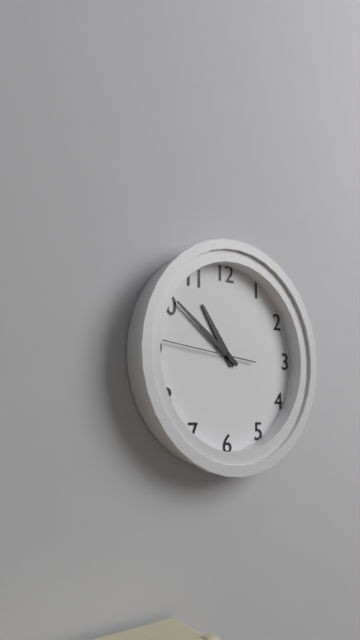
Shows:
{"hour": 10, "minute": 51, "second": 46}
